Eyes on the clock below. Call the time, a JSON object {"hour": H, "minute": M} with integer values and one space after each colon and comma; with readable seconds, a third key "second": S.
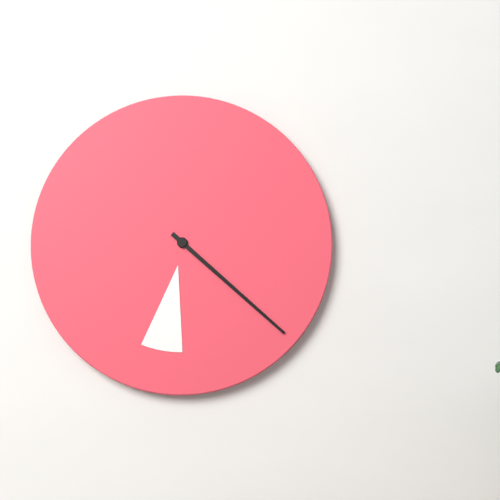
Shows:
{"hour": 6, "minute": 22}
